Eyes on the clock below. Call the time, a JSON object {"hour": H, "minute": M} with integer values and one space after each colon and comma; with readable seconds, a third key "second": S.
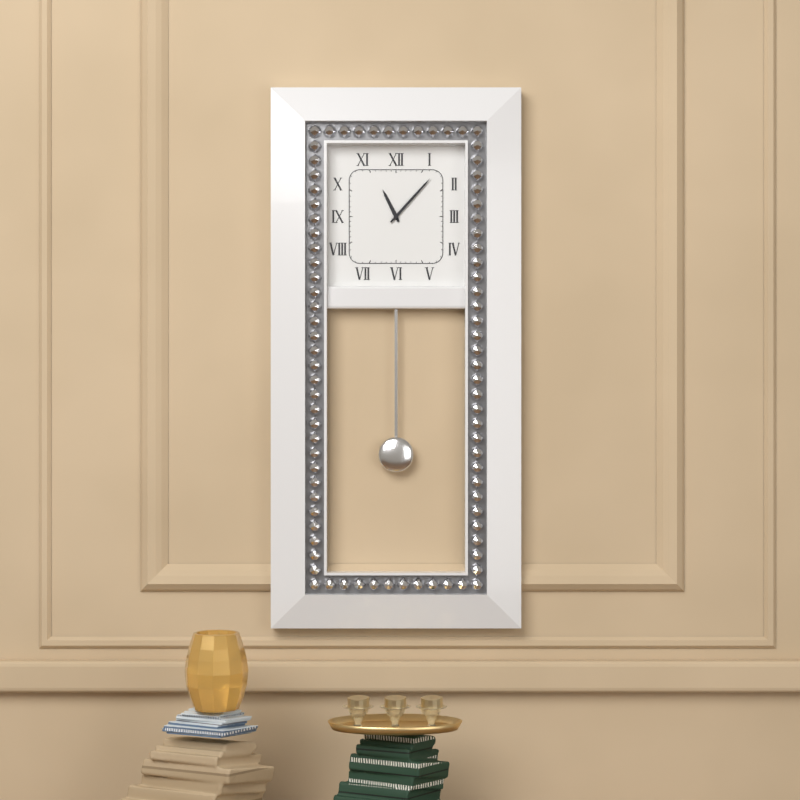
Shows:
{"hour": 11, "minute": 7}
